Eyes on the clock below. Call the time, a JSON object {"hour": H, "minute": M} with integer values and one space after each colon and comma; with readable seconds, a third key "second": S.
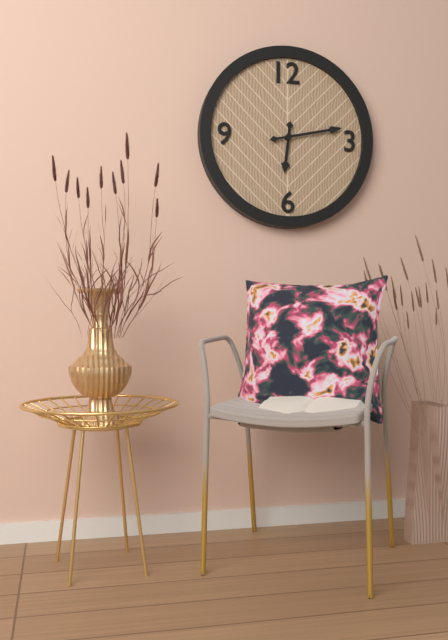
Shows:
{"hour": 6, "minute": 13}
